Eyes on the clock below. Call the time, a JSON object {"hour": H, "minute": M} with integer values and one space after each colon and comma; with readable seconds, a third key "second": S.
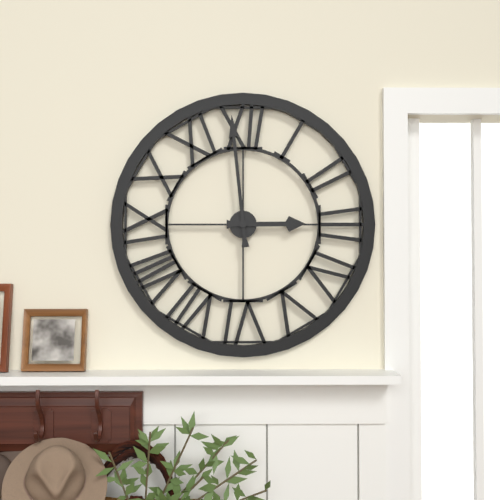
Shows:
{"hour": 2, "minute": 59}
